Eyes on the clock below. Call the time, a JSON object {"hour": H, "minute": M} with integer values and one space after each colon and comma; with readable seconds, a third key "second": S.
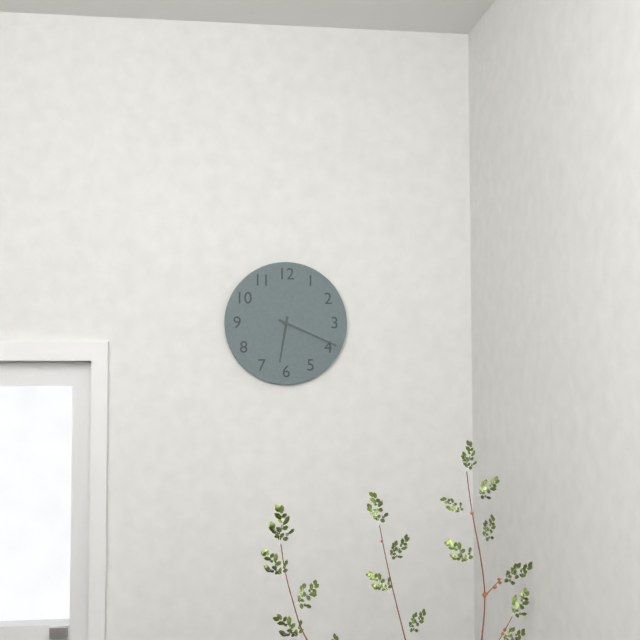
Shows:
{"hour": 6, "minute": 19}
